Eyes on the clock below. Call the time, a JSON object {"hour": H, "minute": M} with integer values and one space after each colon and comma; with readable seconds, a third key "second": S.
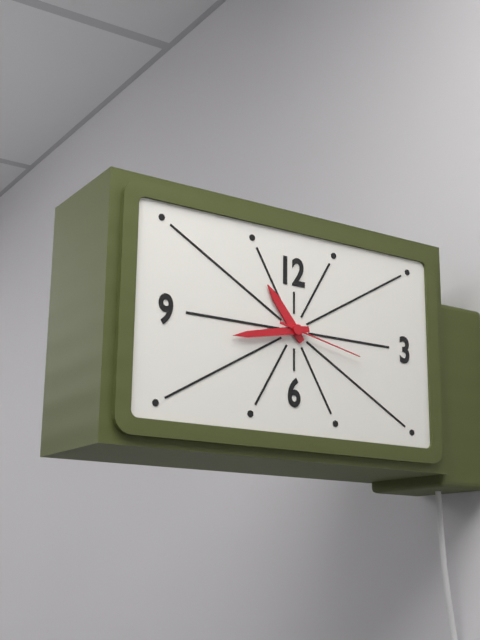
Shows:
{"hour": 10, "minute": 43, "second": 17}
